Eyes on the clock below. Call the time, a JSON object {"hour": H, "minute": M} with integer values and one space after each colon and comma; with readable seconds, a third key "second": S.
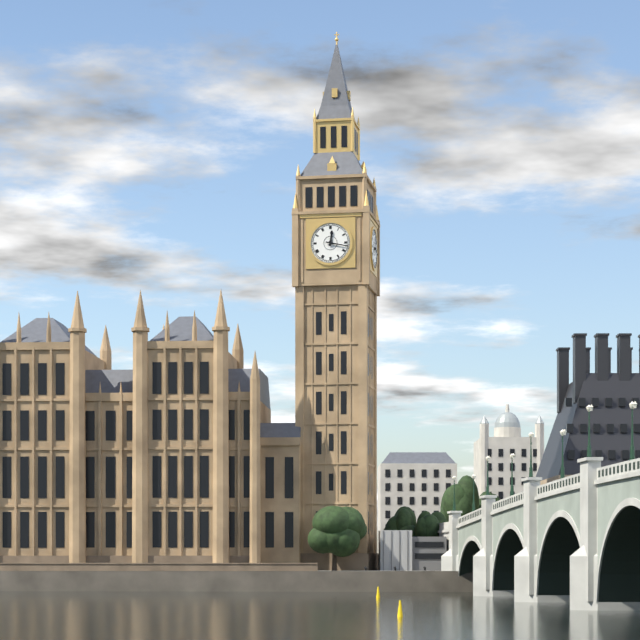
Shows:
{"hour": 12, "minute": 17}
